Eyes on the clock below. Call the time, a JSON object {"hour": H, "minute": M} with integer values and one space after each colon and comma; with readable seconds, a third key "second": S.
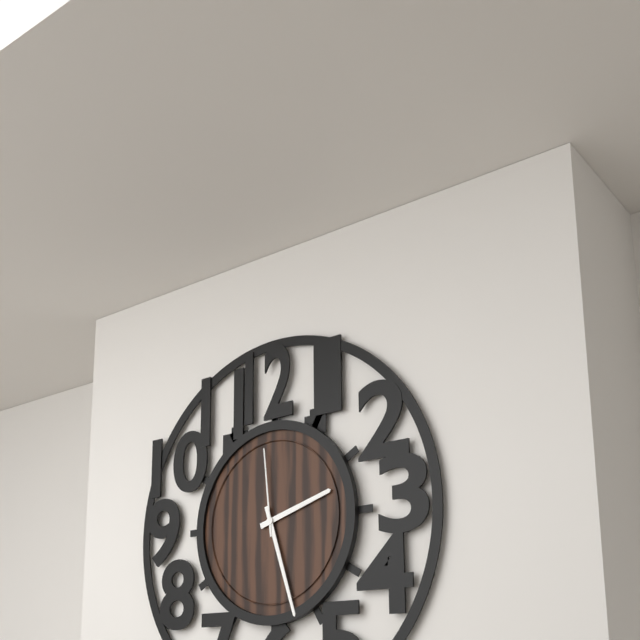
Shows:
{"hour": 2, "minute": 27, "second": 59}
